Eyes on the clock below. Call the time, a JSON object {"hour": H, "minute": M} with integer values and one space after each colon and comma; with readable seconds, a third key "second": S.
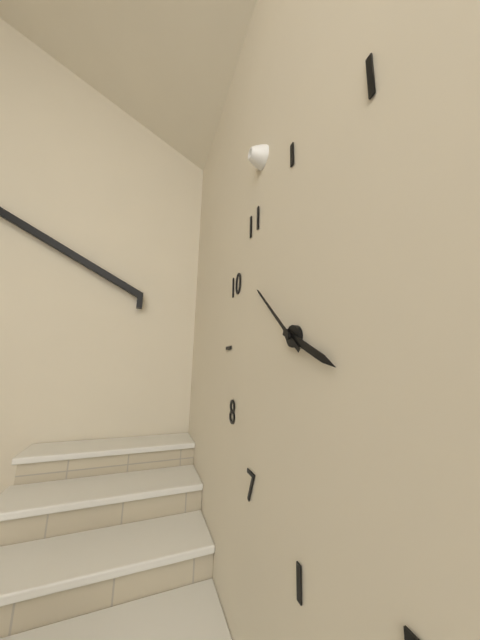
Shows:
{"hour": 3, "minute": 52}
